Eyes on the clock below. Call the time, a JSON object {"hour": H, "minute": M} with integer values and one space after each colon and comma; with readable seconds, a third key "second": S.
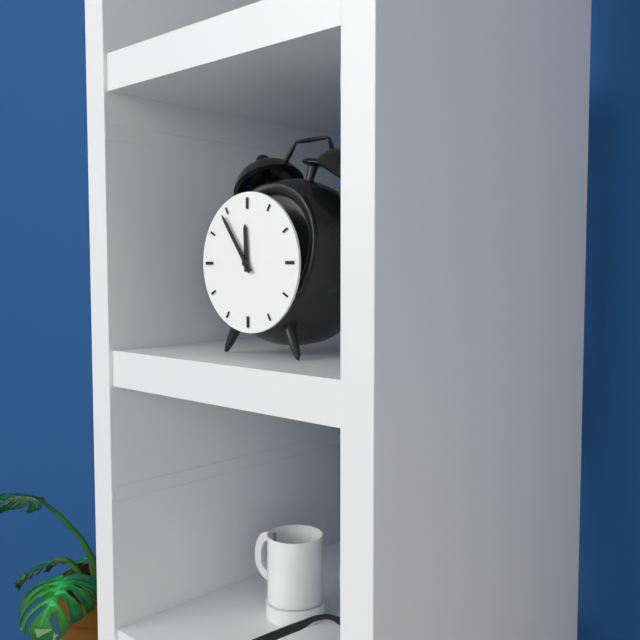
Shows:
{"hour": 11, "minute": 54}
